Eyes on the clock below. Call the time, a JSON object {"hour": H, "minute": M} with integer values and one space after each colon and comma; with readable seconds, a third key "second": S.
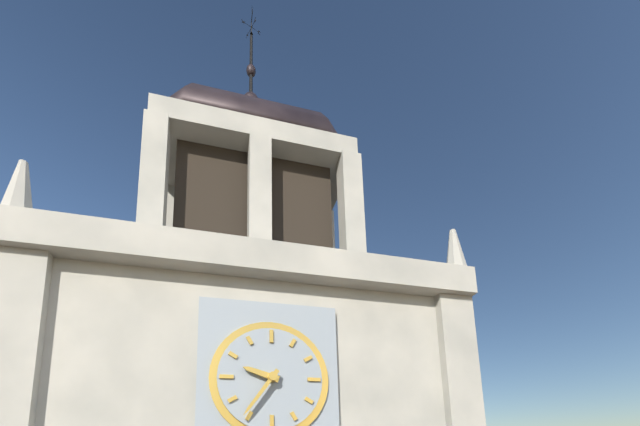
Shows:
{"hour": 9, "minute": 36}
